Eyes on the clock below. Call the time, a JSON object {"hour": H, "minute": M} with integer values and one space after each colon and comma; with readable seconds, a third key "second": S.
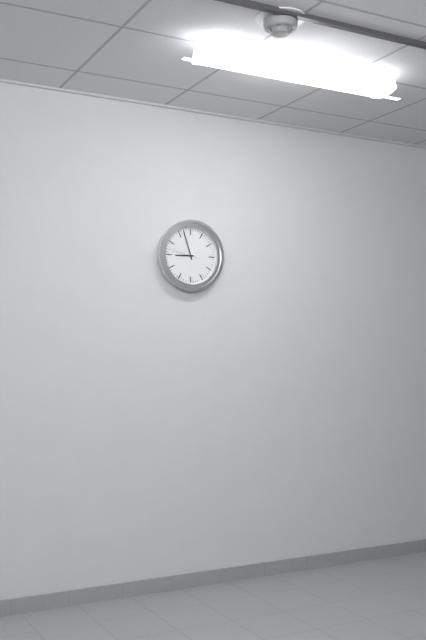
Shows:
{"hour": 8, "minute": 57}
